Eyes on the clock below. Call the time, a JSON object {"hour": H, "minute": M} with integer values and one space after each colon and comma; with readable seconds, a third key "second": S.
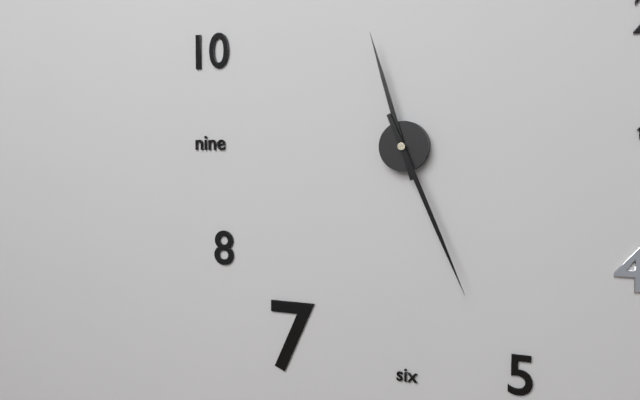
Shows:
{"hour": 11, "minute": 26}
